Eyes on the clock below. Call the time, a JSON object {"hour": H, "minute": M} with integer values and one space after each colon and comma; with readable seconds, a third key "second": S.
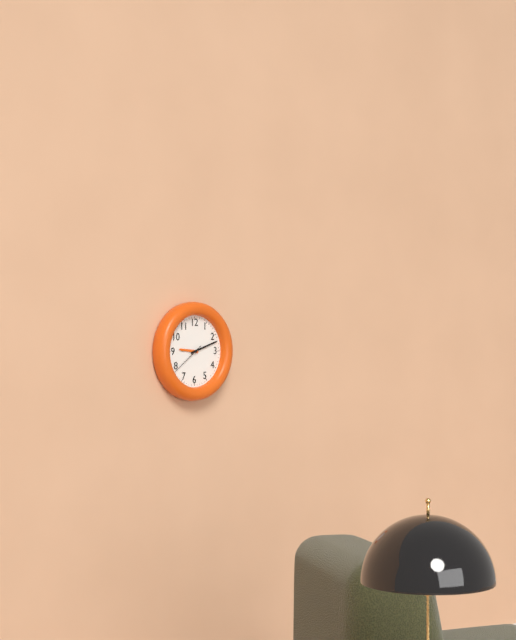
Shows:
{"hour": 9, "minute": 12}
